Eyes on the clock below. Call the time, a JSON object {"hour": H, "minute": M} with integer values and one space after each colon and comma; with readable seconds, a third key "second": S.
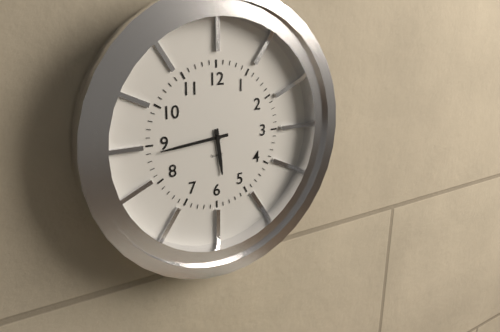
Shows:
{"hour": 5, "minute": 44}
